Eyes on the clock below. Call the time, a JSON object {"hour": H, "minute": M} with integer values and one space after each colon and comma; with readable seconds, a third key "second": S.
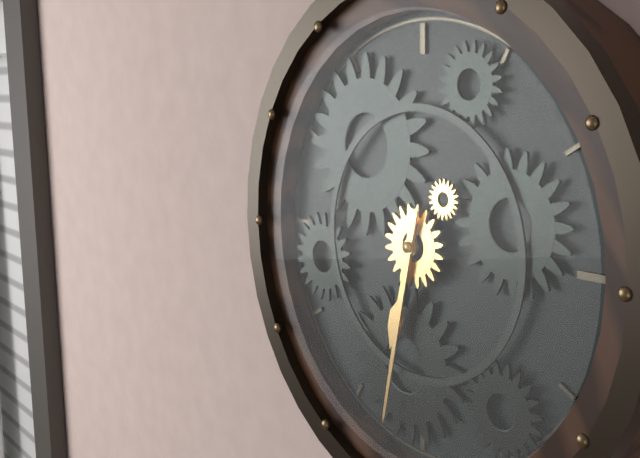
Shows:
{"hour": 6, "minute": 32}
